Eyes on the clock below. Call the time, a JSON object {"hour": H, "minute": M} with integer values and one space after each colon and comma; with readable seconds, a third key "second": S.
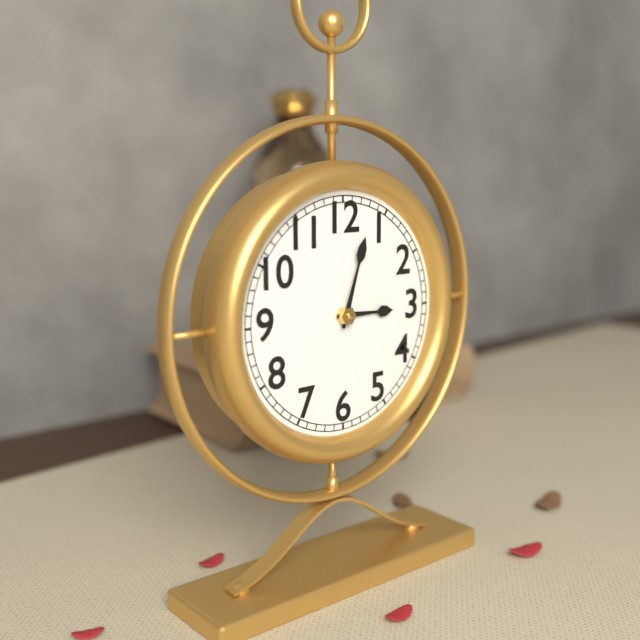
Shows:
{"hour": 3, "minute": 3}
